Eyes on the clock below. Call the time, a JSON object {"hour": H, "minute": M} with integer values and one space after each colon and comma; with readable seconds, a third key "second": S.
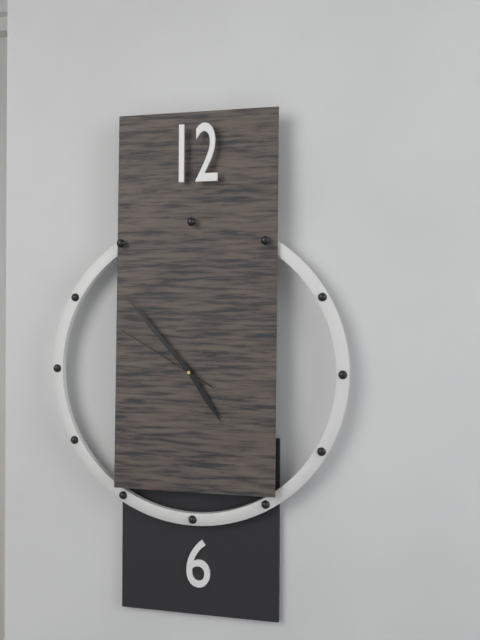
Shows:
{"hour": 4, "minute": 53, "second": 50}
